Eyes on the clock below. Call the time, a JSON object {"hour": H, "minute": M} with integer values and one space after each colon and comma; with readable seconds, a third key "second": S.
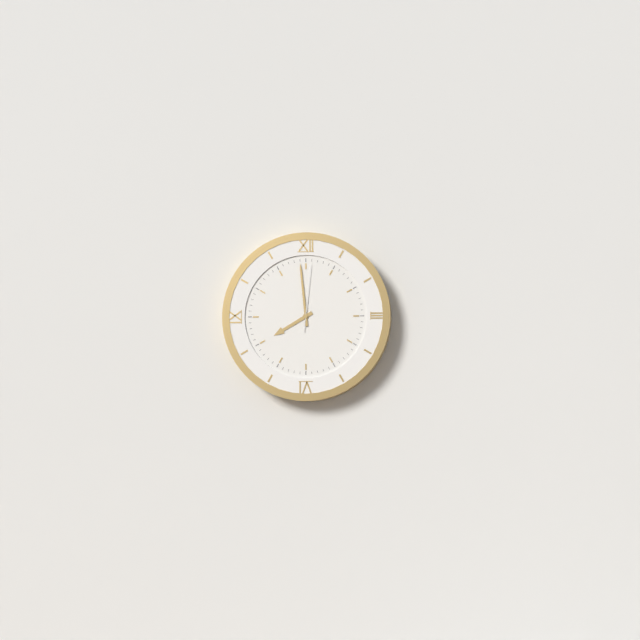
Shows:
{"hour": 7, "minute": 59, "second": 1}
